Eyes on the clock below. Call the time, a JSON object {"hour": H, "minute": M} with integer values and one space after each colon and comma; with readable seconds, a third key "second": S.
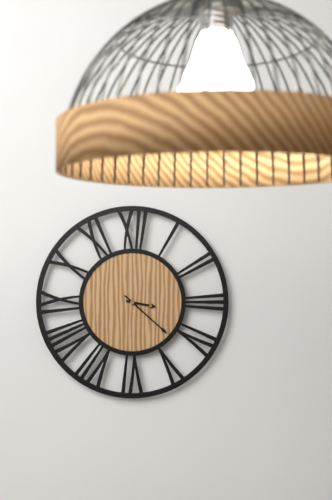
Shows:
{"hour": 3, "minute": 22}
